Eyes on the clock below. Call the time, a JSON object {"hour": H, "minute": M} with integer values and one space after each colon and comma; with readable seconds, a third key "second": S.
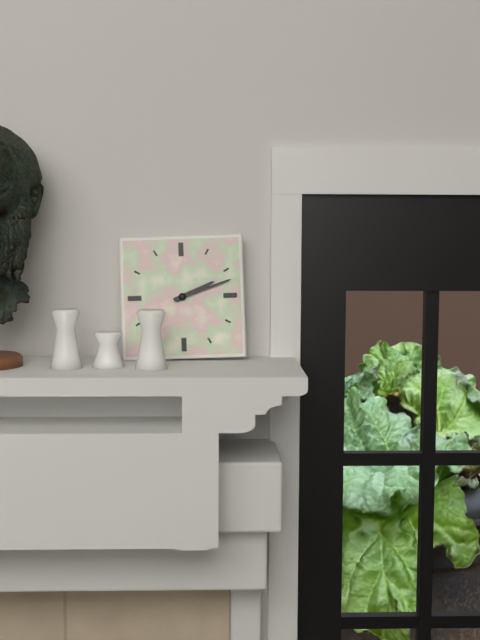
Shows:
{"hour": 2, "minute": 12}
